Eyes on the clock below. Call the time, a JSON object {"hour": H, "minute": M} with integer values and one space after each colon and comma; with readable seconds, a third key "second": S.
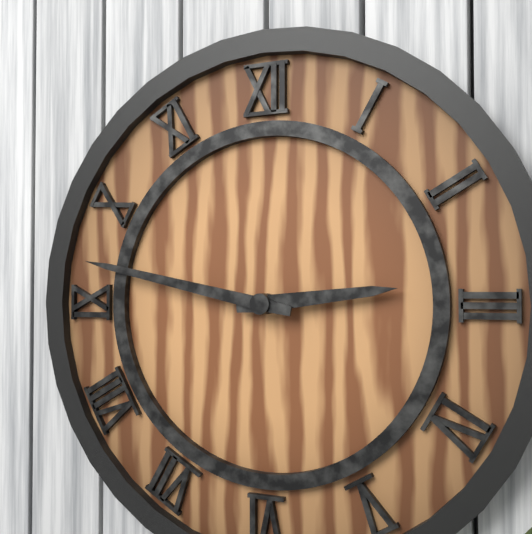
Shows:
{"hour": 2, "minute": 47}
